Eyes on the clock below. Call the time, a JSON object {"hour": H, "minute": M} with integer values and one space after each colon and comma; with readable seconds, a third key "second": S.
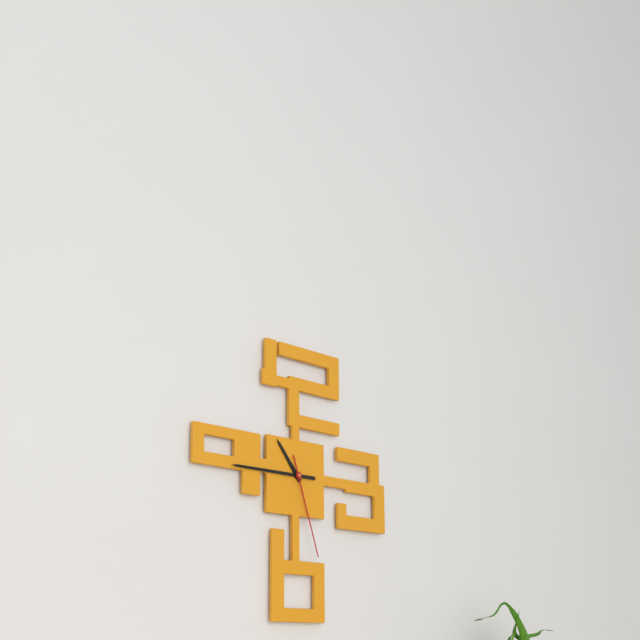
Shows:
{"hour": 10, "minute": 45, "second": 27}
